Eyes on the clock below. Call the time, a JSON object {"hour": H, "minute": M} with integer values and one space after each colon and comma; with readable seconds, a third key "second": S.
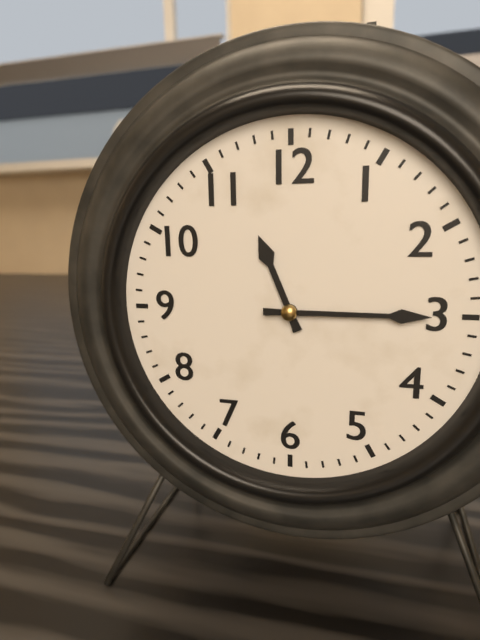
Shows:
{"hour": 11, "minute": 15}
